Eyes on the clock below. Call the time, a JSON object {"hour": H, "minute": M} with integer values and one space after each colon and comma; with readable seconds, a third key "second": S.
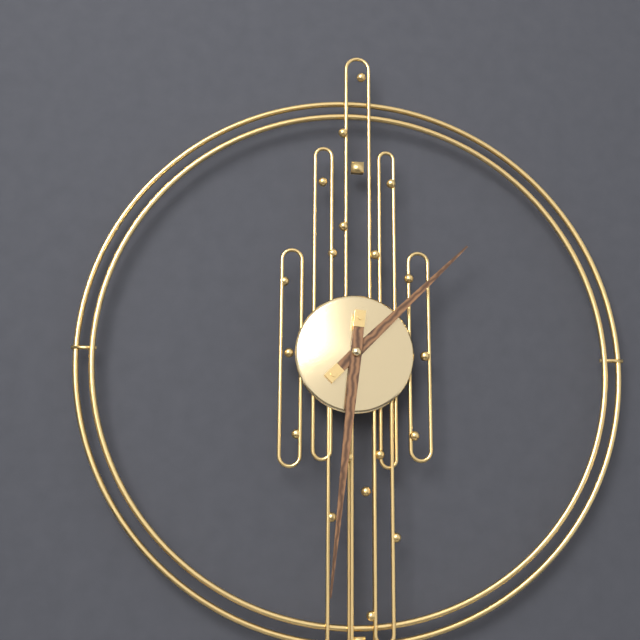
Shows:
{"hour": 1, "minute": 31}
